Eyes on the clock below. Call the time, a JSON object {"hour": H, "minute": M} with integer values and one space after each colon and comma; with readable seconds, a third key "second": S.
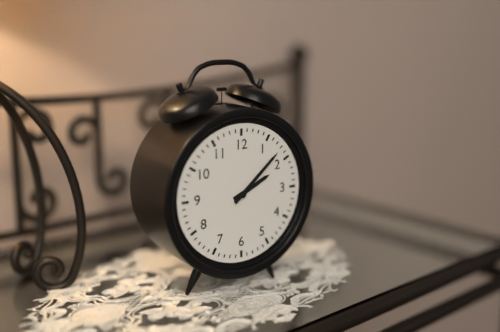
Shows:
{"hour": 2, "minute": 8}
